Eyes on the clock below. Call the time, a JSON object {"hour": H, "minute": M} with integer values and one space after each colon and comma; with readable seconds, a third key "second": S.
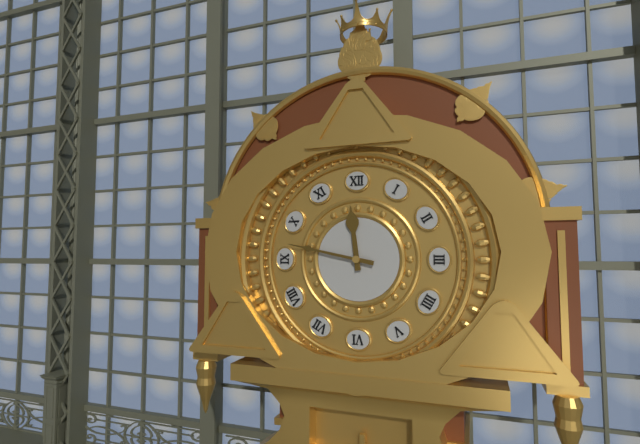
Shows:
{"hour": 11, "minute": 47}
